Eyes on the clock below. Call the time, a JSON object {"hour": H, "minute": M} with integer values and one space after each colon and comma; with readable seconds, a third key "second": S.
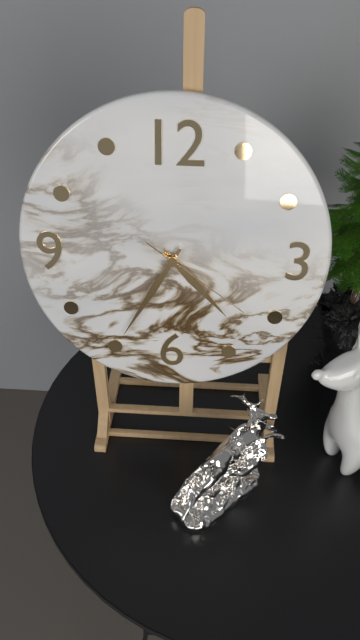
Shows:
{"hour": 4, "minute": 35, "second": 21}
